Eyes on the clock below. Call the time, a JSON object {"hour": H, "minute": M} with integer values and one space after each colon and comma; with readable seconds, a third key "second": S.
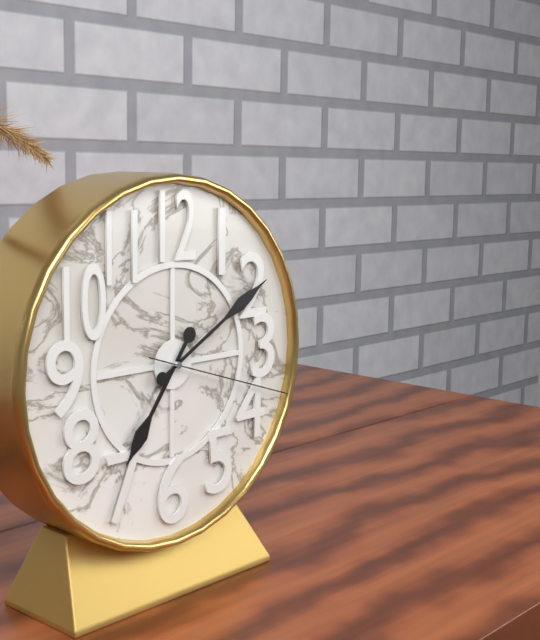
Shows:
{"hour": 7, "minute": 10, "second": 18}
